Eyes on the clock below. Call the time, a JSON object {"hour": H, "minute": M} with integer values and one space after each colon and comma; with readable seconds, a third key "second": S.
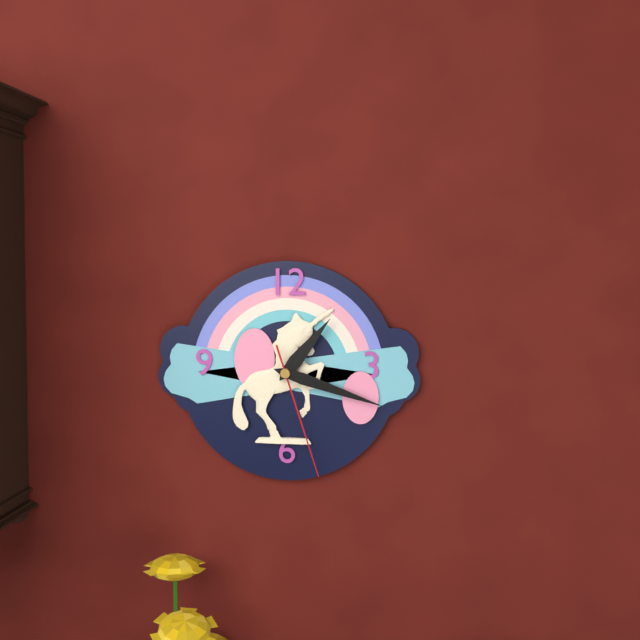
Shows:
{"hour": 1, "minute": 18, "second": 27}
